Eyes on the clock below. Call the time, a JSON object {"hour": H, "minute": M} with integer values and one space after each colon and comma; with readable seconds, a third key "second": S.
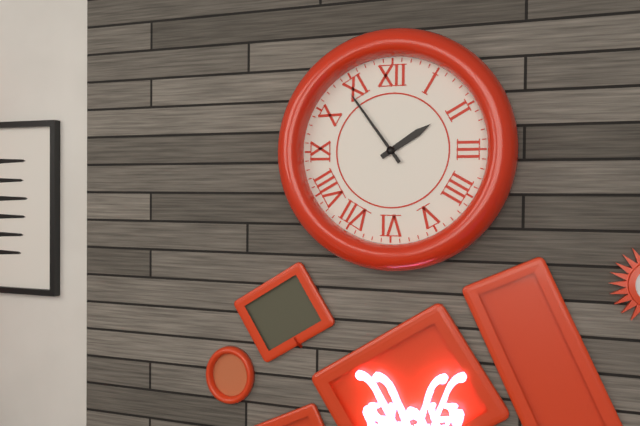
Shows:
{"hour": 1, "minute": 54}
